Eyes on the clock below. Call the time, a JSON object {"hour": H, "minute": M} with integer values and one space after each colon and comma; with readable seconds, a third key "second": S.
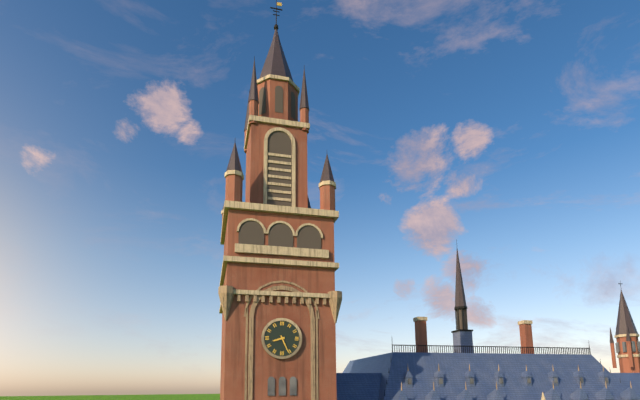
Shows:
{"hour": 8, "minute": 26}
